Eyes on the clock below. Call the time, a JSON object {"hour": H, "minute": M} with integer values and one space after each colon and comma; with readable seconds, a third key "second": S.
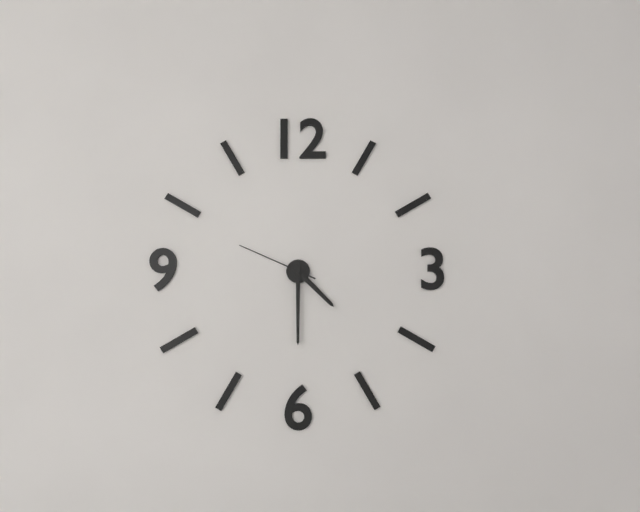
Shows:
{"hour": 4, "minute": 30, "second": 49}
